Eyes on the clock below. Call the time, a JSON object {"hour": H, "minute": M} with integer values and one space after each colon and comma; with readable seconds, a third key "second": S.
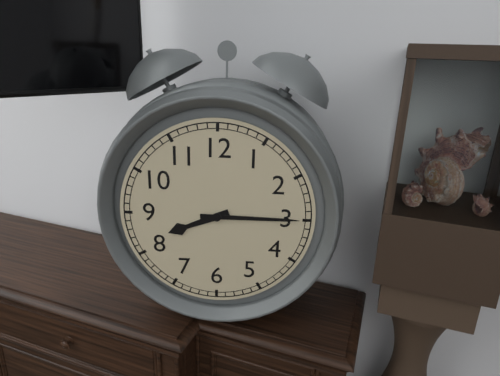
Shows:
{"hour": 8, "minute": 15}
